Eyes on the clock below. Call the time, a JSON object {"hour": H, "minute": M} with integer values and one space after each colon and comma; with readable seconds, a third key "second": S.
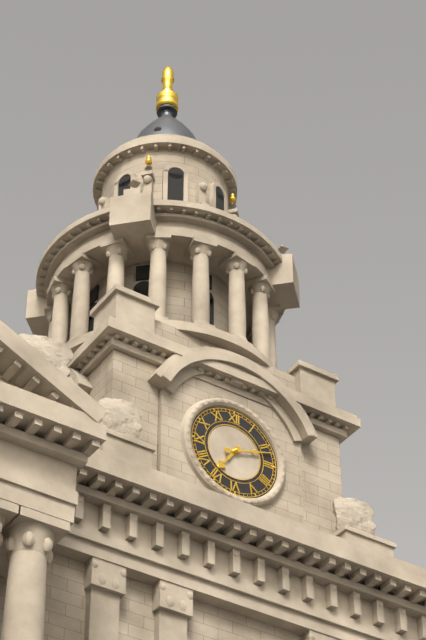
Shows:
{"hour": 7, "minute": 12}
